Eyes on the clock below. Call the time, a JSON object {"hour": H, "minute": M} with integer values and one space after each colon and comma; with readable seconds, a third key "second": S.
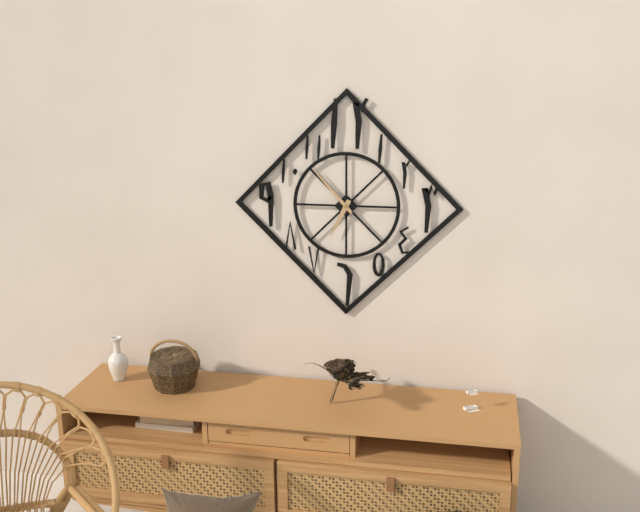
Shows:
{"hour": 6, "minute": 53}
